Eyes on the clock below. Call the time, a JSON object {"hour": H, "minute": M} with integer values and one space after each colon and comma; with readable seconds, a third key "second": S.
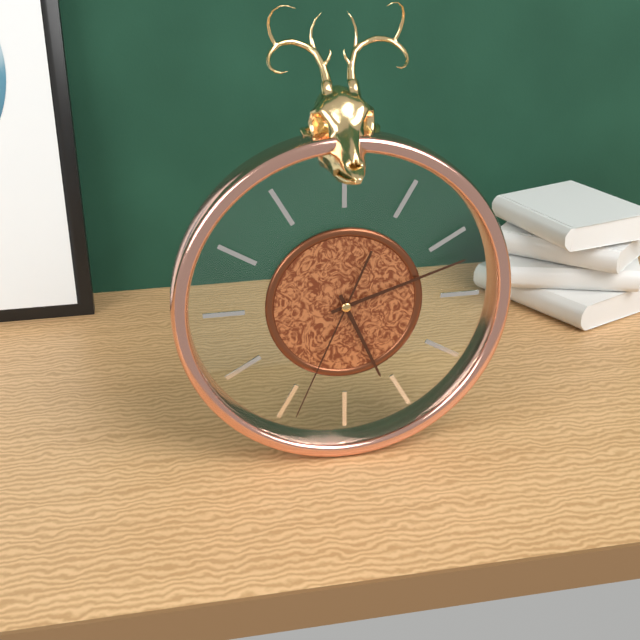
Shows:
{"hour": 5, "minute": 12, "second": 34}
